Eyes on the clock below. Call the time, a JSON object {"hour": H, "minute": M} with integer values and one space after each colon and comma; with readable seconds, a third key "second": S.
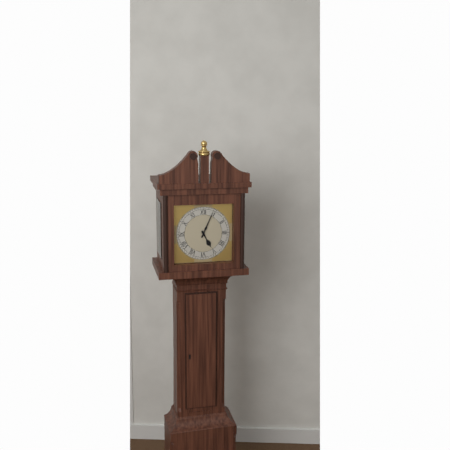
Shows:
{"hour": 5, "minute": 4}
